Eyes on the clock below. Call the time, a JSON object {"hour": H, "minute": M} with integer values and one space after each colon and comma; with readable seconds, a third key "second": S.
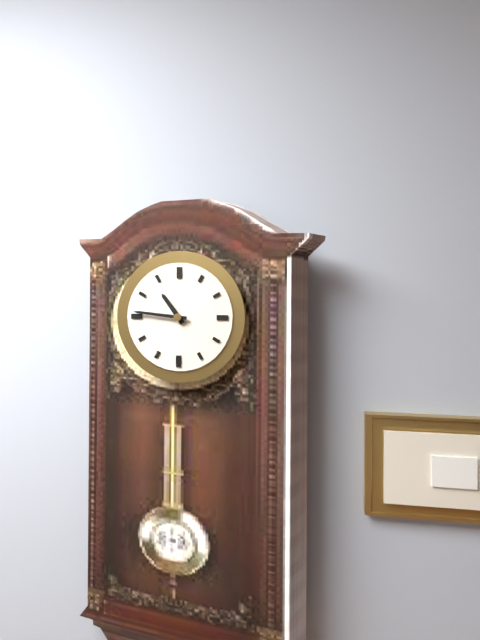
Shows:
{"hour": 10, "minute": 46}
